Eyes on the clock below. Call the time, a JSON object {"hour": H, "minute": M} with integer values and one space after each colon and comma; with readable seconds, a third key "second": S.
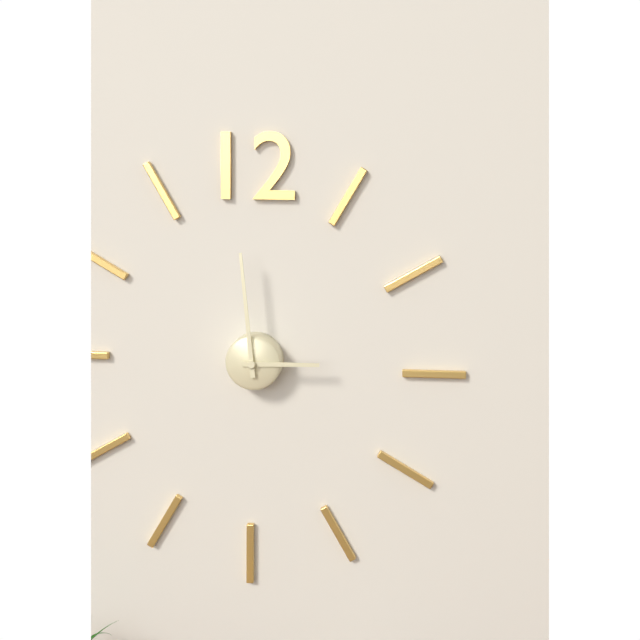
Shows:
{"hour": 2, "minute": 59}
